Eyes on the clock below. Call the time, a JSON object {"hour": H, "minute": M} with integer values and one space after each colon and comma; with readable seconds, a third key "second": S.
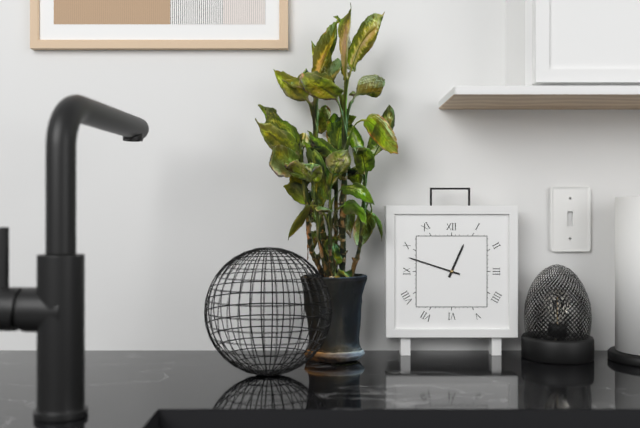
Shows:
{"hour": 12, "minute": 48}
